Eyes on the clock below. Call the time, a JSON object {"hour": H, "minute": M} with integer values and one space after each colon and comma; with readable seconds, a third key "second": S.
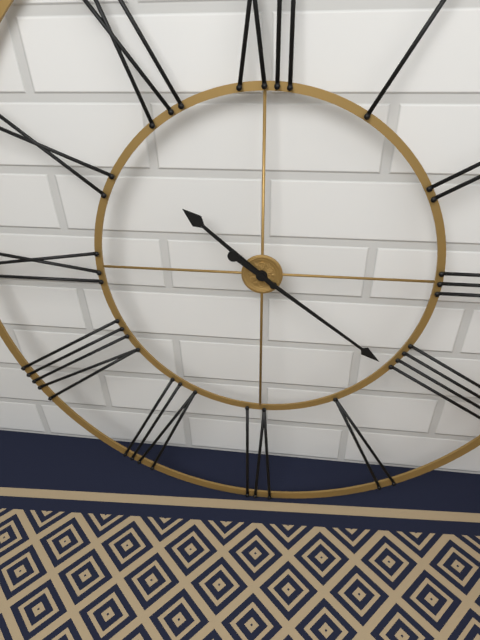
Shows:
{"hour": 10, "minute": 21}
